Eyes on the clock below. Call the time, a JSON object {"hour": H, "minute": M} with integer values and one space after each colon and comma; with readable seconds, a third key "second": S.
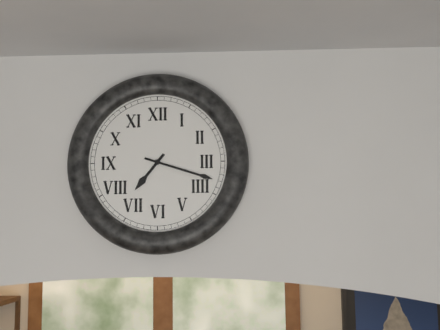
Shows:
{"hour": 7, "minute": 18}
